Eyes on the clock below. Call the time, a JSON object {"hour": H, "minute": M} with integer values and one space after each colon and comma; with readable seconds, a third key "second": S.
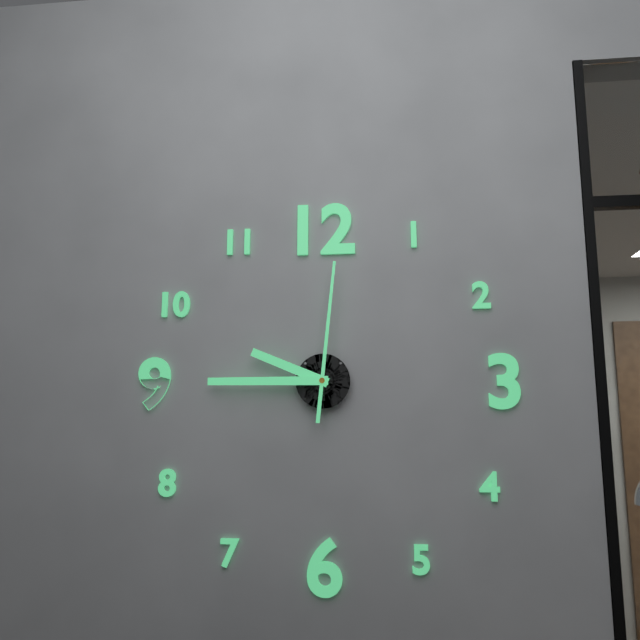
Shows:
{"hour": 9, "minute": 45, "second": 1}
